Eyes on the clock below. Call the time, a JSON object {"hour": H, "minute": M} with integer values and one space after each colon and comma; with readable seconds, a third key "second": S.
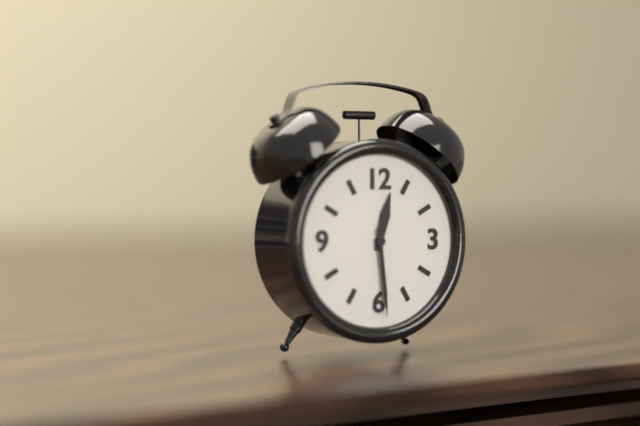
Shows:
{"hour": 12, "minute": 29}
